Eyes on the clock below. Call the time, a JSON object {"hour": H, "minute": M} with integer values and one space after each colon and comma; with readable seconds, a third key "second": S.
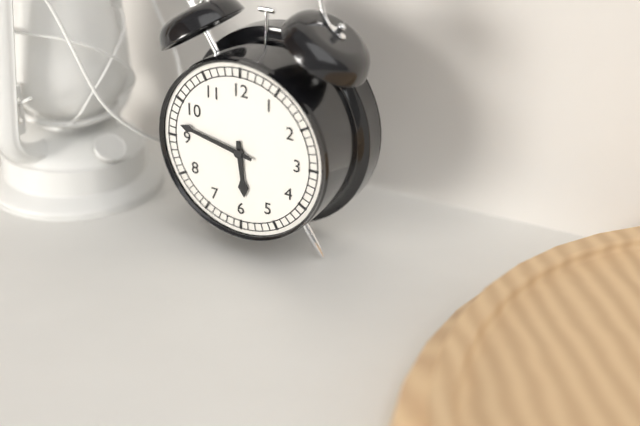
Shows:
{"hour": 5, "minute": 47}
